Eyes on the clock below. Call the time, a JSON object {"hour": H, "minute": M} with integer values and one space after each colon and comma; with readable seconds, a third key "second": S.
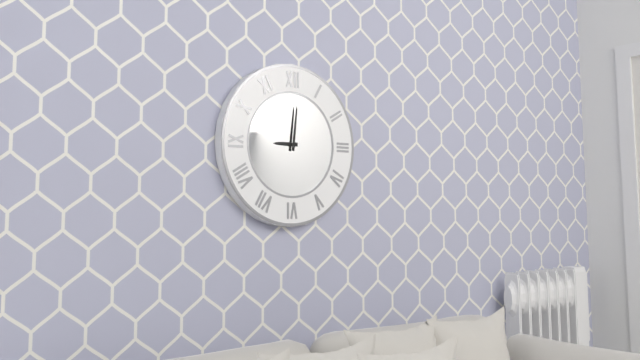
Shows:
{"hour": 9, "minute": 1}
